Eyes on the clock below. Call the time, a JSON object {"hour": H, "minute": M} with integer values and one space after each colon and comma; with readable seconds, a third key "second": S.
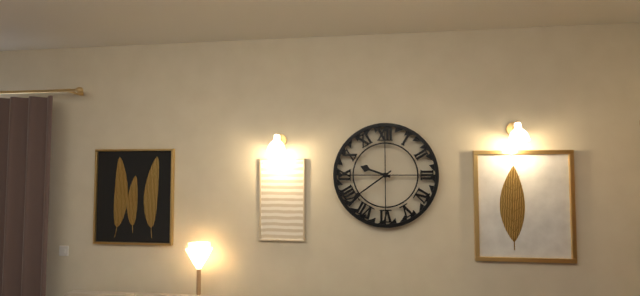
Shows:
{"hour": 9, "minute": 39}
